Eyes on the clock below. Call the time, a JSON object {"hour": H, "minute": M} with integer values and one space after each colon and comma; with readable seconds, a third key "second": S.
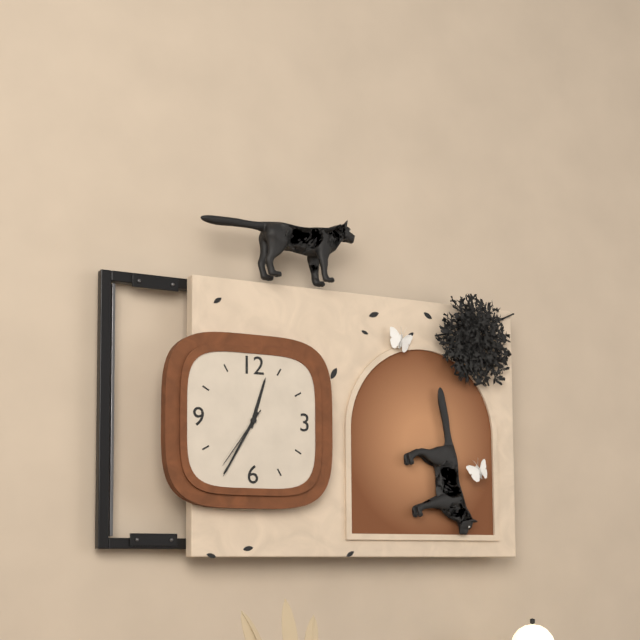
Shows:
{"hour": 12, "minute": 35, "second": 36}
